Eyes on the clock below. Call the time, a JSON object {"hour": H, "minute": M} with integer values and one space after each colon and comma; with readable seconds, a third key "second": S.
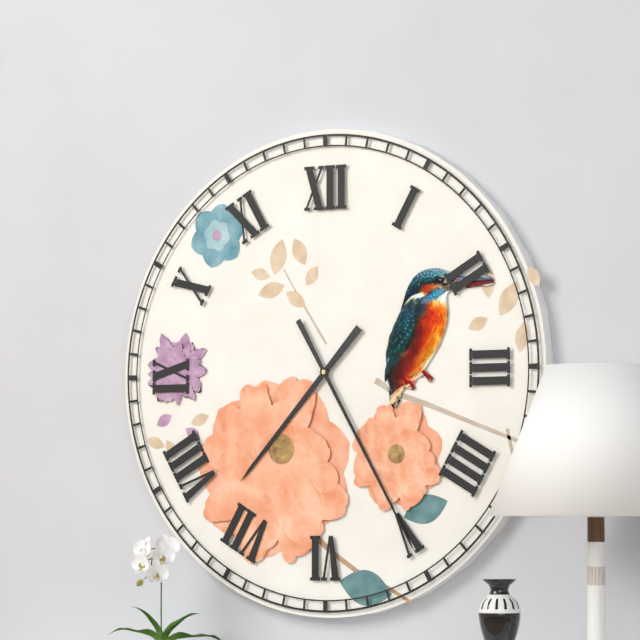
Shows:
{"hour": 7, "minute": 25}
